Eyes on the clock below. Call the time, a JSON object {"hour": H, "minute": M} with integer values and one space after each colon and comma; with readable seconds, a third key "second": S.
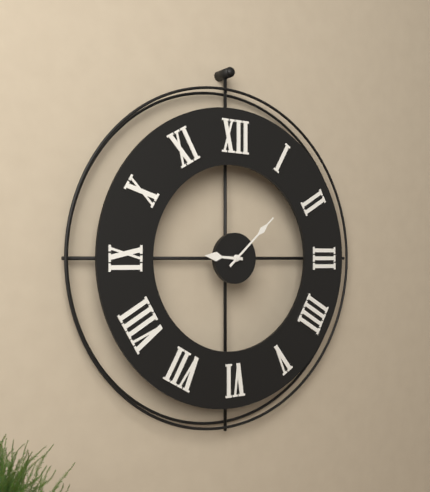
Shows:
{"hour": 9, "minute": 8}
